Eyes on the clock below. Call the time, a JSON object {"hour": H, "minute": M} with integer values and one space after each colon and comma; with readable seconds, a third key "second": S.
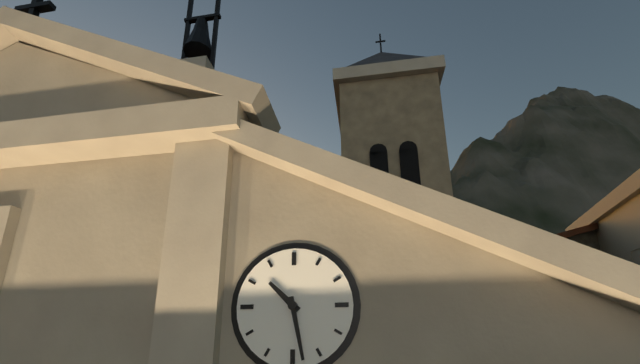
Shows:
{"hour": 10, "minute": 28}
